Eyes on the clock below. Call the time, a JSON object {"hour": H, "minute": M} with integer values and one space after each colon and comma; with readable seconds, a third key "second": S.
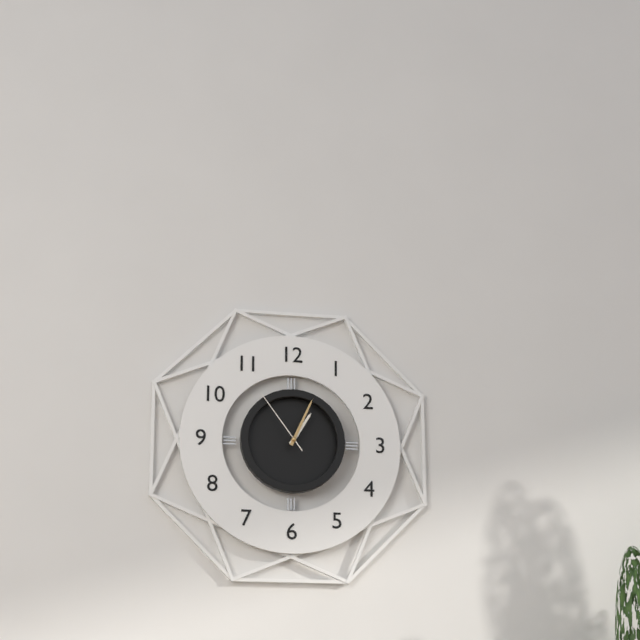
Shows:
{"hour": 1, "minute": 4, "second": 54}
